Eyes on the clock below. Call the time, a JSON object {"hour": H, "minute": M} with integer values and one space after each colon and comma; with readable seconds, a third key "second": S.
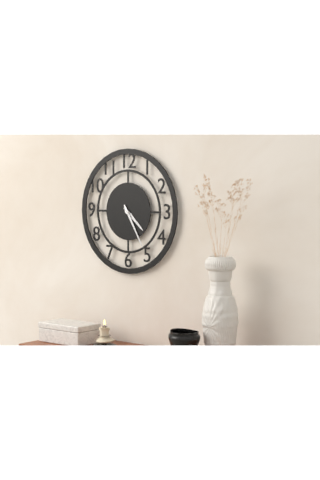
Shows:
{"hour": 4, "minute": 25}
